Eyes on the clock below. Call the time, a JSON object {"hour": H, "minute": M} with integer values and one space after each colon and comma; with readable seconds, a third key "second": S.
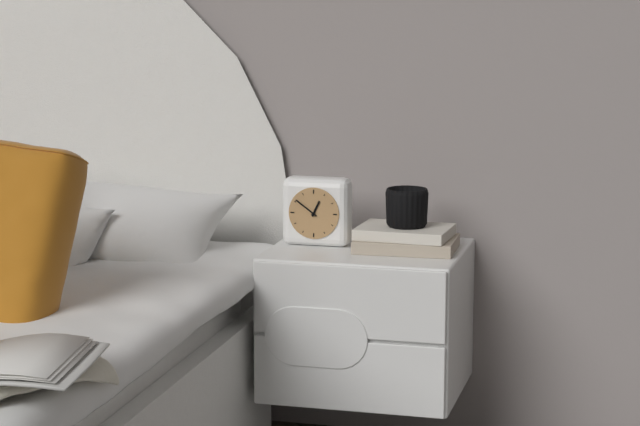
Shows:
{"hour": 12, "minute": 51}
